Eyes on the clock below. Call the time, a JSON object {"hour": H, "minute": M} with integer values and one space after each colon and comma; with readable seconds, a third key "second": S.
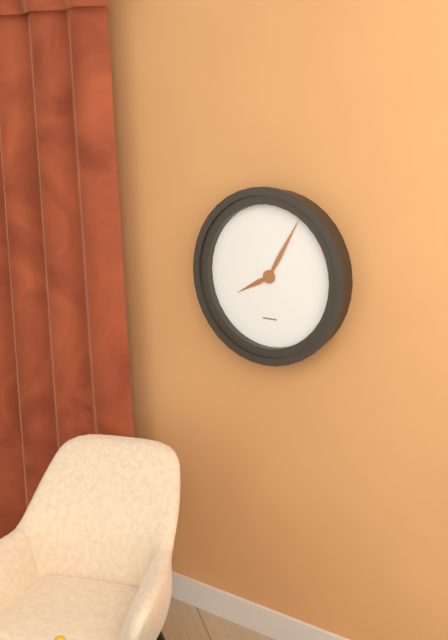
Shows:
{"hour": 8, "minute": 5}
